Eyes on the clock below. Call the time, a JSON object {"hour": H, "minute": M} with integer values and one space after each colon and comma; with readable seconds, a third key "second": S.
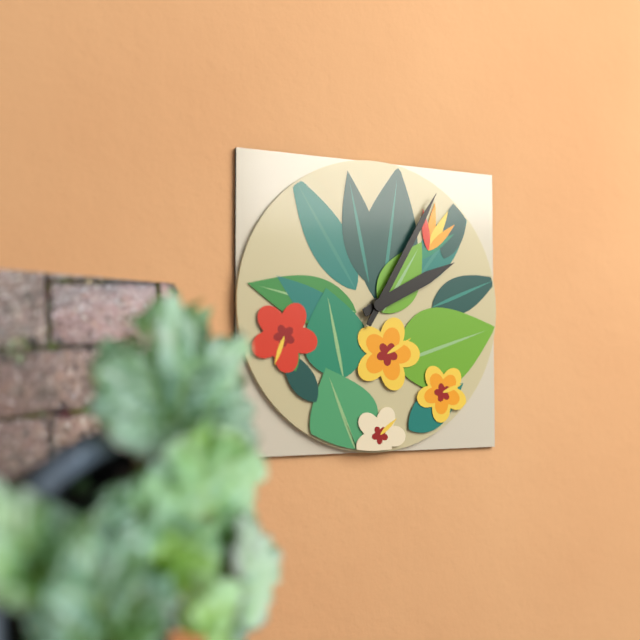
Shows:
{"hour": 2, "minute": 5}
